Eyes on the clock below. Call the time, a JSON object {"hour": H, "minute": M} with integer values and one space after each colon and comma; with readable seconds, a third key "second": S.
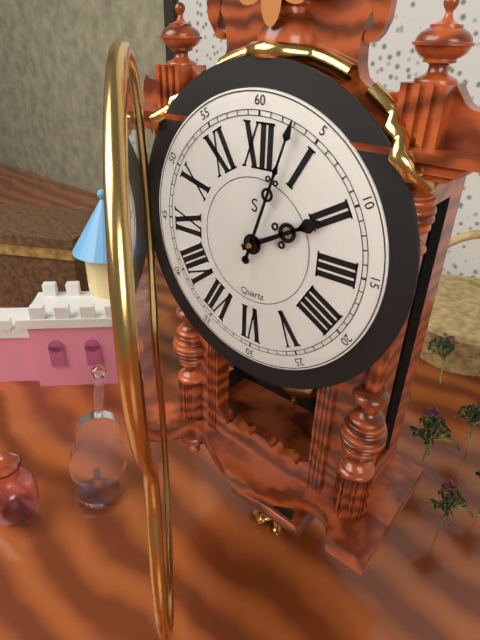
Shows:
{"hour": 2, "minute": 3}
